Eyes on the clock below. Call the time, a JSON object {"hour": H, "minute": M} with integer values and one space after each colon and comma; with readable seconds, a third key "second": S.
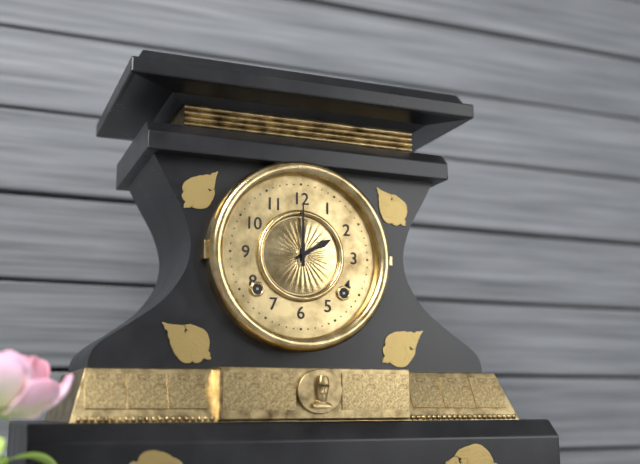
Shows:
{"hour": 2, "minute": 0}
